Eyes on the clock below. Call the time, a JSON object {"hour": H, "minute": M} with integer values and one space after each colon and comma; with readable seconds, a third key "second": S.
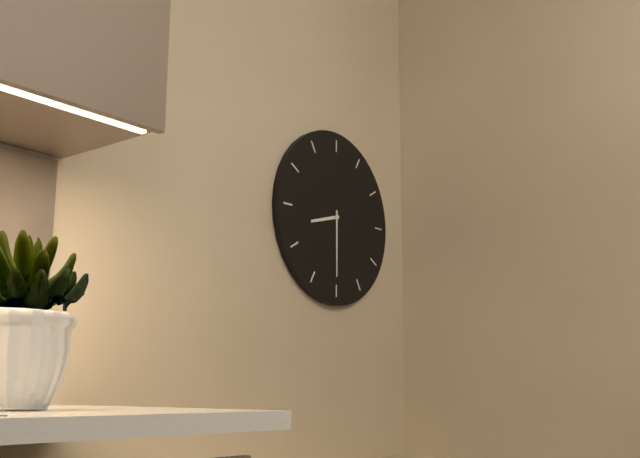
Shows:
{"hour": 8, "minute": 30}
